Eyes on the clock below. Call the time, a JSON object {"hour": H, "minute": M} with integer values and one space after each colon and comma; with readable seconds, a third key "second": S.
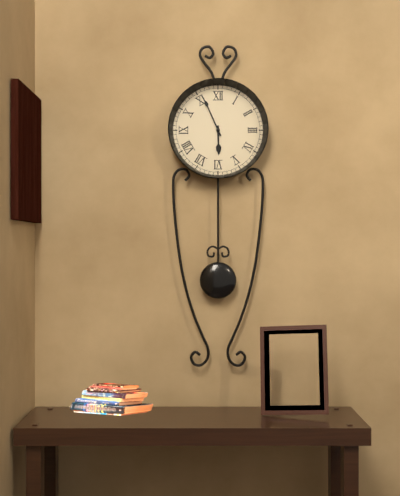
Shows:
{"hour": 5, "minute": 56}
